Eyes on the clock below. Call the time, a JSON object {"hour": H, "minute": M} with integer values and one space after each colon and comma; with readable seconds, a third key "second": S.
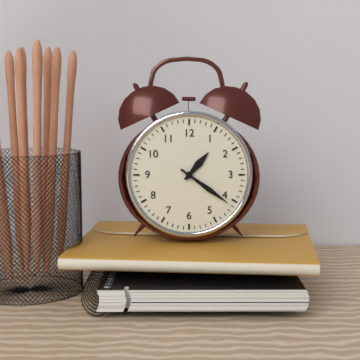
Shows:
{"hour": 1, "minute": 21}
